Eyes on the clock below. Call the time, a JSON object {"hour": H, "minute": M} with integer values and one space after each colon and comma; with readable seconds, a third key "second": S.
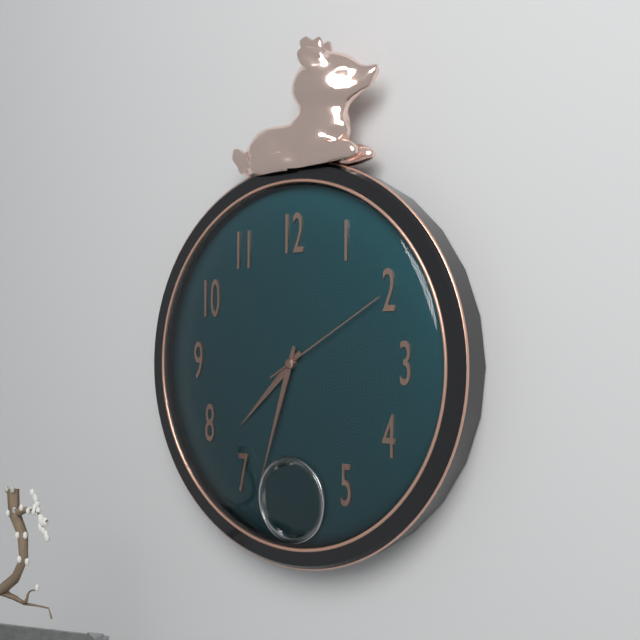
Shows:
{"hour": 7, "minute": 33, "second": 10}
